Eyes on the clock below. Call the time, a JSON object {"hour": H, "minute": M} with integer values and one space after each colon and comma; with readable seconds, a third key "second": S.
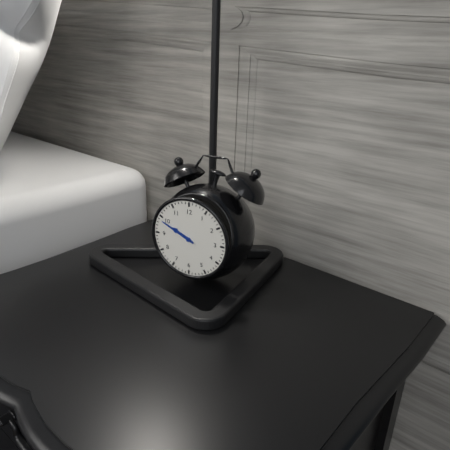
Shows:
{"hour": 9, "minute": 49}
